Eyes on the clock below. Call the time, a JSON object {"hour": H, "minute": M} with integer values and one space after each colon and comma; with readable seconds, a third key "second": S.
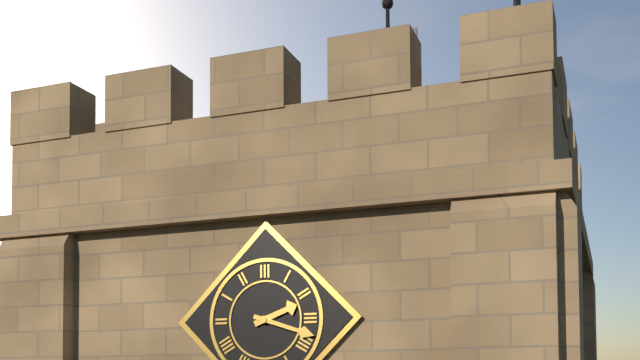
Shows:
{"hour": 2, "minute": 18}
